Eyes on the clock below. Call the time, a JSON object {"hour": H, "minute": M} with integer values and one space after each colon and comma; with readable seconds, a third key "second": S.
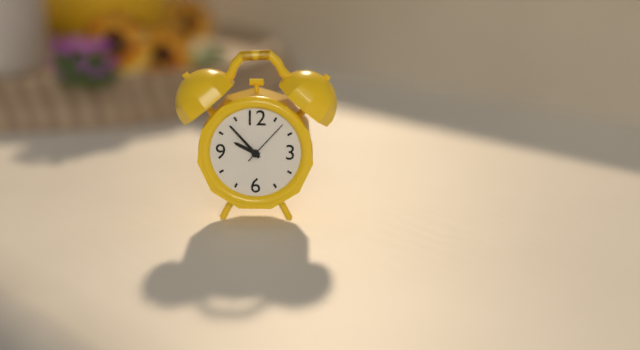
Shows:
{"hour": 9, "minute": 53, "second": 7}
